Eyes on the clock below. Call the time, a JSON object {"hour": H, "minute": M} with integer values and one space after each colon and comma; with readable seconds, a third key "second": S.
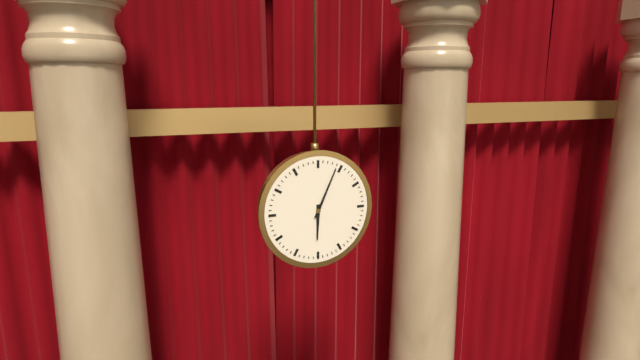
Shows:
{"hour": 6, "minute": 4}
